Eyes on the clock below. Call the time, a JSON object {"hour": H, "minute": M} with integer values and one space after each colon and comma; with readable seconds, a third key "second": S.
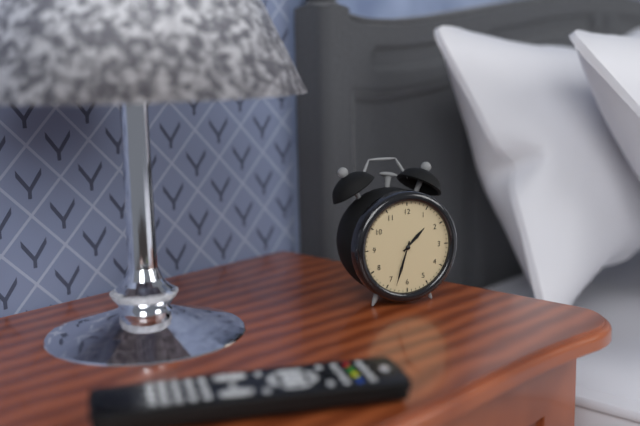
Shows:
{"hour": 1, "minute": 33}
